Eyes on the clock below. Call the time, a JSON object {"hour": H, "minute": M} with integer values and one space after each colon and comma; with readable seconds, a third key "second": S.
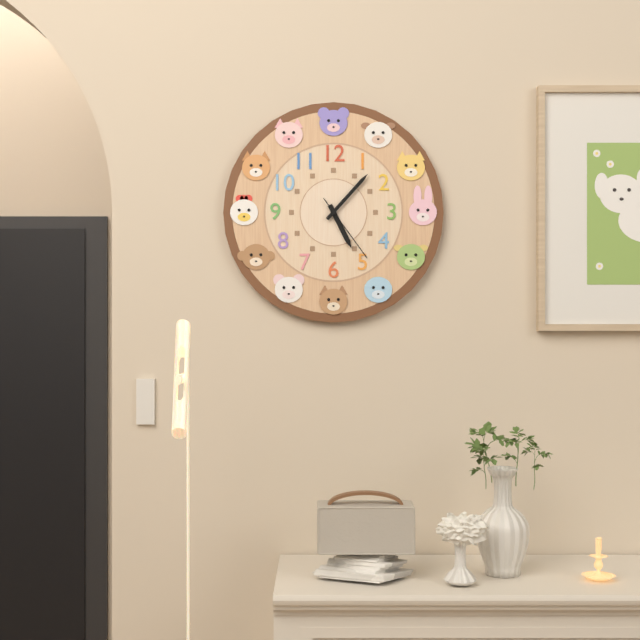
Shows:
{"hour": 5, "minute": 7, "second": 24}
